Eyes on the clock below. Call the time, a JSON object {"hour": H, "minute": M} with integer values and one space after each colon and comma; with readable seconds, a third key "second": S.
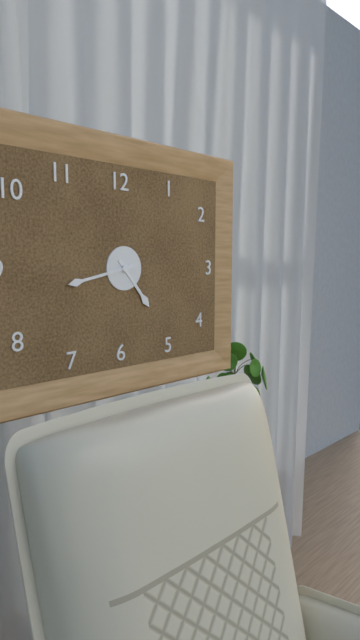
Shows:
{"hour": 4, "minute": 43}
